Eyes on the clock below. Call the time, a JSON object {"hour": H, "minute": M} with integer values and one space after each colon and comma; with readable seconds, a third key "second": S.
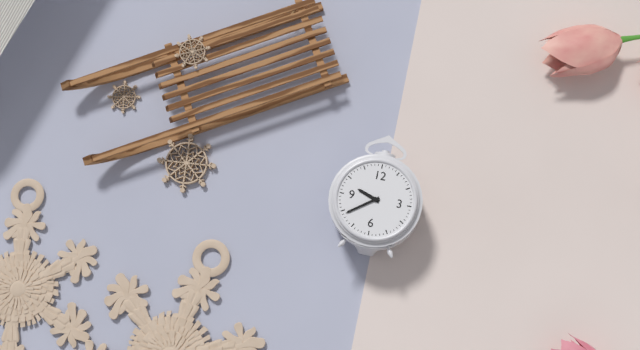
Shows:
{"hour": 9, "minute": 39}
